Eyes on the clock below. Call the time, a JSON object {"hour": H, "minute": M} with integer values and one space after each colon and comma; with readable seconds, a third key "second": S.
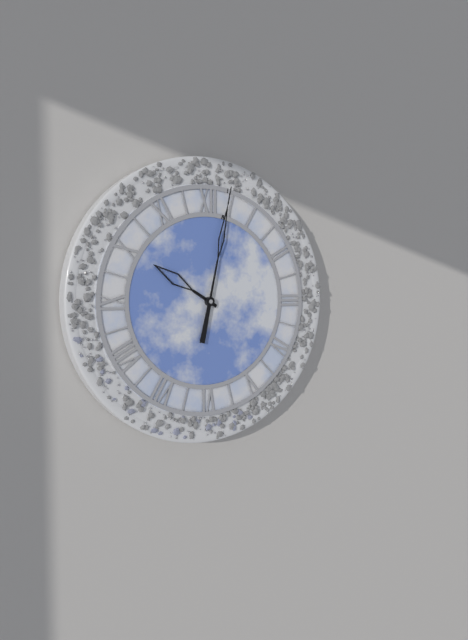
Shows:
{"hour": 10, "minute": 2}
